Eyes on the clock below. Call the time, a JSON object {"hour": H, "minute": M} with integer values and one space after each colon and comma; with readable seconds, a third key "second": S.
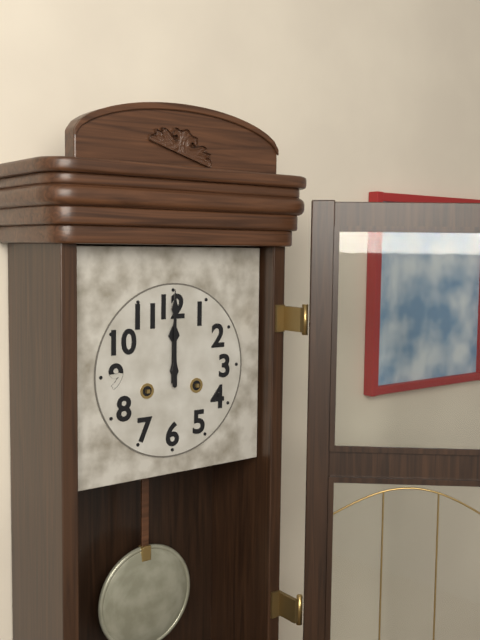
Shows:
{"hour": 12, "minute": 0}
